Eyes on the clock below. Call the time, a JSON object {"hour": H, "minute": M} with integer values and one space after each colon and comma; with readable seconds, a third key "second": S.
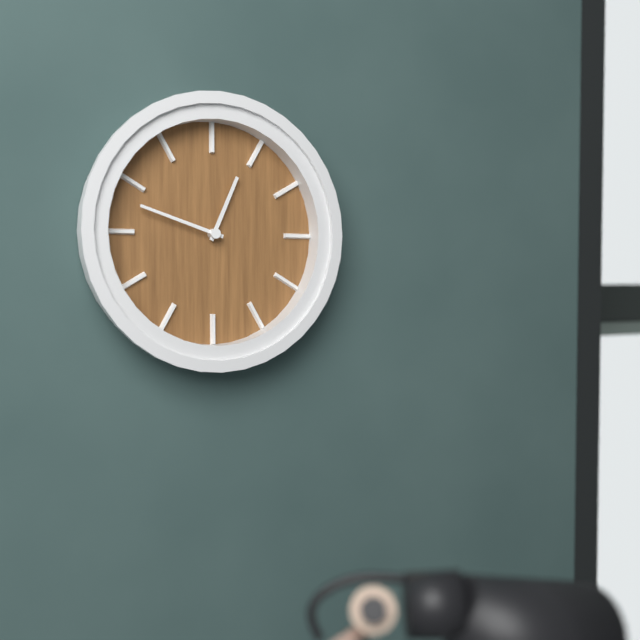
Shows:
{"hour": 12, "minute": 48}
